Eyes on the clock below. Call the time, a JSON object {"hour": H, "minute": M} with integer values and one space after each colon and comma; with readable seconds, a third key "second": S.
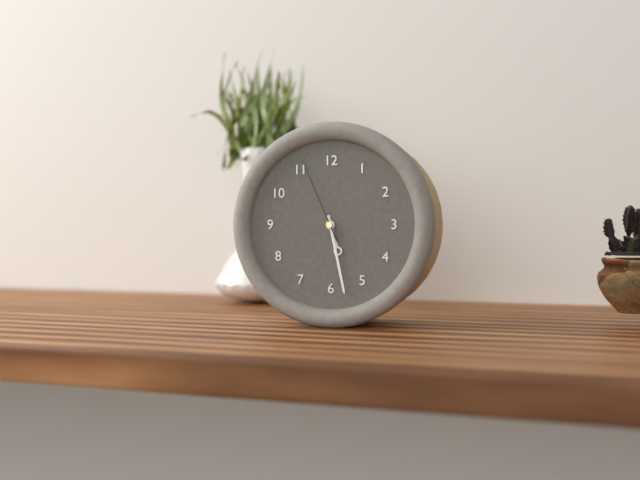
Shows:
{"hour": 5, "minute": 28, "second": 56}
